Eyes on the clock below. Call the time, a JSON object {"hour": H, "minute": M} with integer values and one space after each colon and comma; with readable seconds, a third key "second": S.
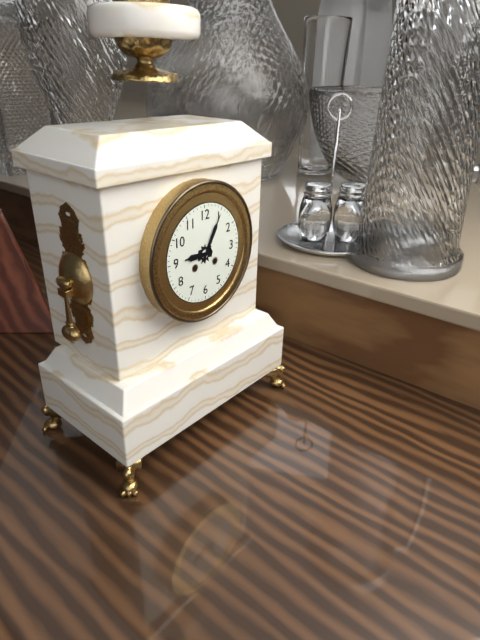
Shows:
{"hour": 9, "minute": 5}
